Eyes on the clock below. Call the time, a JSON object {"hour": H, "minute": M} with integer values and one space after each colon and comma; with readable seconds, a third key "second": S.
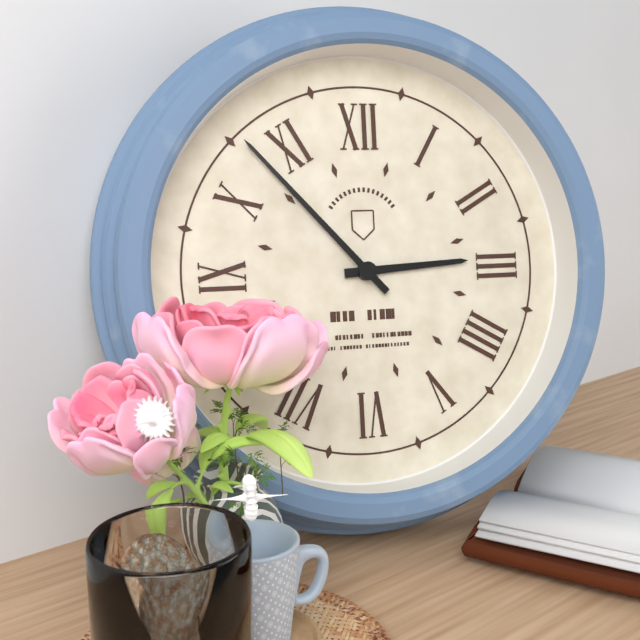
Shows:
{"hour": 2, "minute": 53}
